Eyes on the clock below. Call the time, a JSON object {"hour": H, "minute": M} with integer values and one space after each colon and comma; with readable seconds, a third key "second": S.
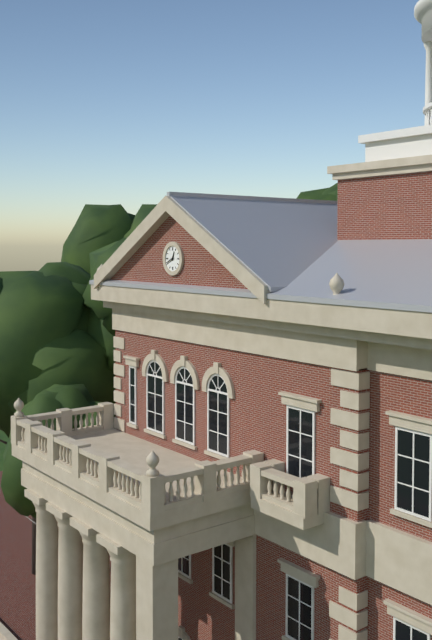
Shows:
{"hour": 12, "minute": 41}
